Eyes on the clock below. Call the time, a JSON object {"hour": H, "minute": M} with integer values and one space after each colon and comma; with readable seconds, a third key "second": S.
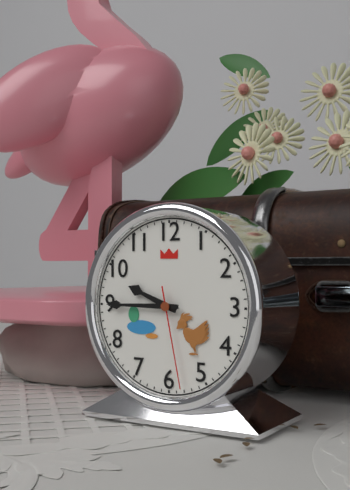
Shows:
{"hour": 9, "minute": 45, "second": 28}
